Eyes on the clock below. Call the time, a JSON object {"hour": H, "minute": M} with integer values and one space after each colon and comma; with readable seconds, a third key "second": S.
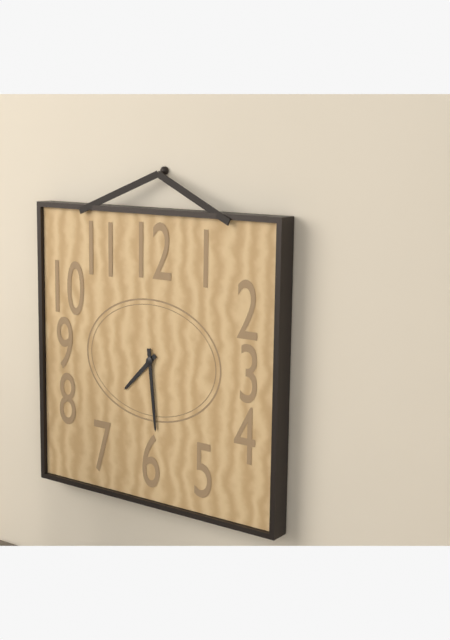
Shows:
{"hour": 7, "minute": 29}
